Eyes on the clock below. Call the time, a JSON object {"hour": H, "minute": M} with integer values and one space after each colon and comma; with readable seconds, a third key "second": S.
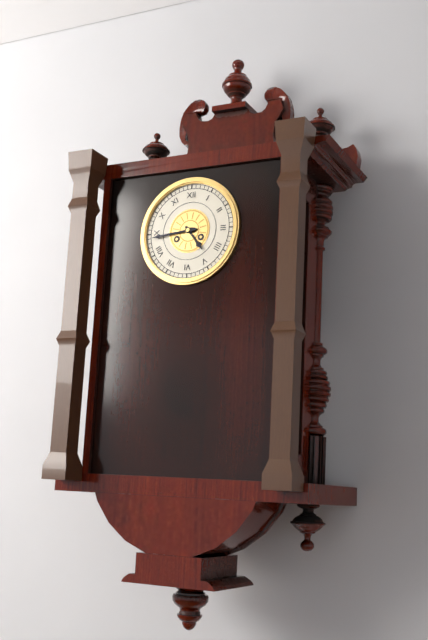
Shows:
{"hour": 4, "minute": 44}
